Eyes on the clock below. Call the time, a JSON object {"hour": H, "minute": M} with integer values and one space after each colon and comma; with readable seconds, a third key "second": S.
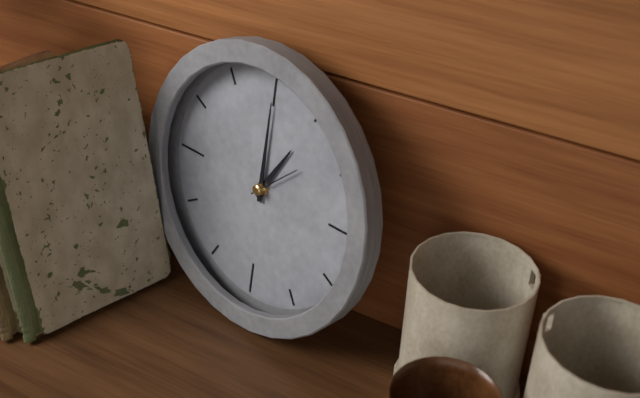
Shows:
{"hour": 1, "minute": 0, "second": 8}
